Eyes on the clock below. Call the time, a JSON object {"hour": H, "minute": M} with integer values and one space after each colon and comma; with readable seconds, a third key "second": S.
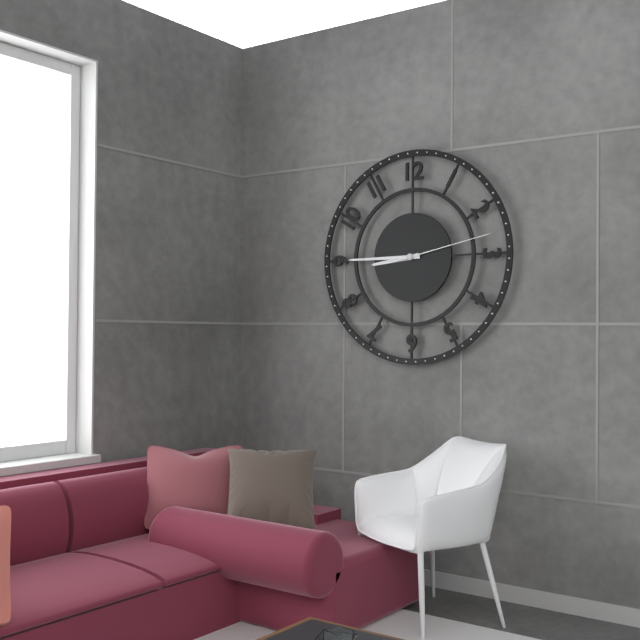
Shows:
{"hour": 8, "minute": 45, "second": 13}
